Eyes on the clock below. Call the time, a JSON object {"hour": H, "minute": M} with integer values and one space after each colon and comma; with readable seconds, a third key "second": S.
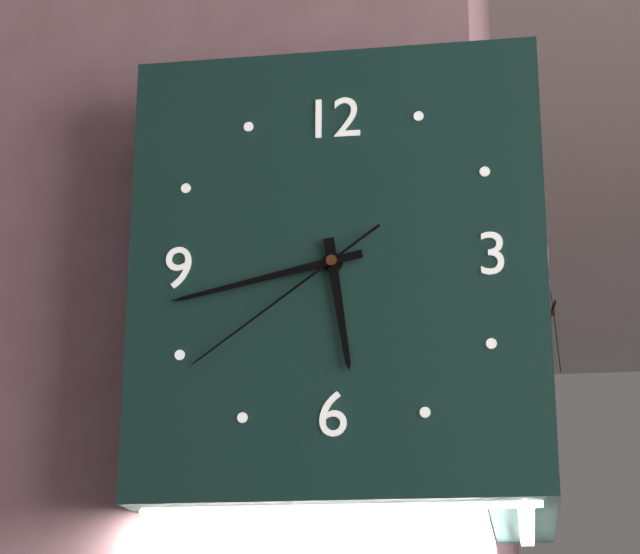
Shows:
{"hour": 5, "minute": 43, "second": 39}
